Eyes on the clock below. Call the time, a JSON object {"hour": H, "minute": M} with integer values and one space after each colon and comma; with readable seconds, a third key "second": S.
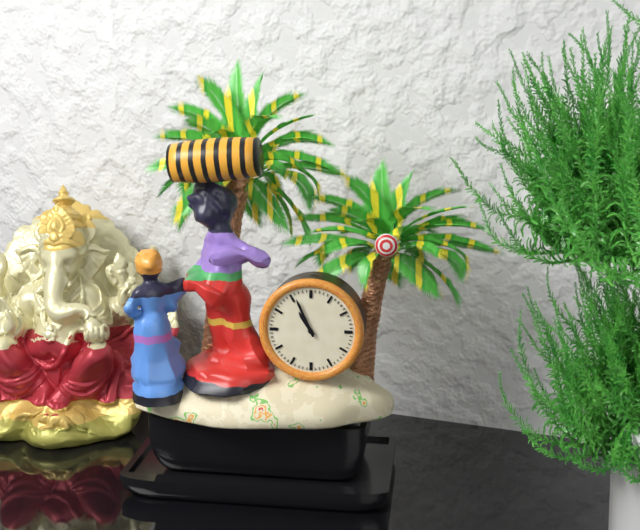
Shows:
{"hour": 10, "minute": 56}
